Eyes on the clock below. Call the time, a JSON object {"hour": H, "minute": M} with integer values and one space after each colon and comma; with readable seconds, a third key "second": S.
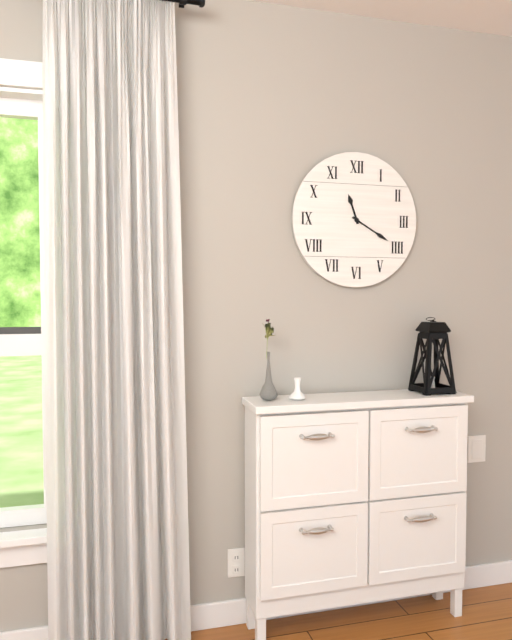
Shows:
{"hour": 11, "minute": 20}
